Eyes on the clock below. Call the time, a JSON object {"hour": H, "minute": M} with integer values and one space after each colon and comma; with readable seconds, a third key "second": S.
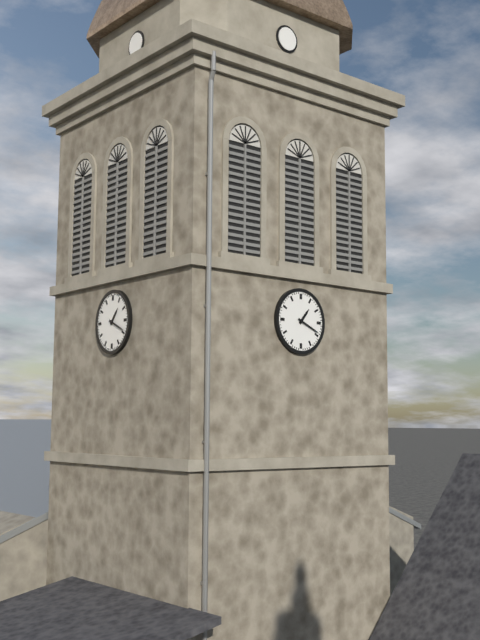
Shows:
{"hour": 1, "minute": 19}
